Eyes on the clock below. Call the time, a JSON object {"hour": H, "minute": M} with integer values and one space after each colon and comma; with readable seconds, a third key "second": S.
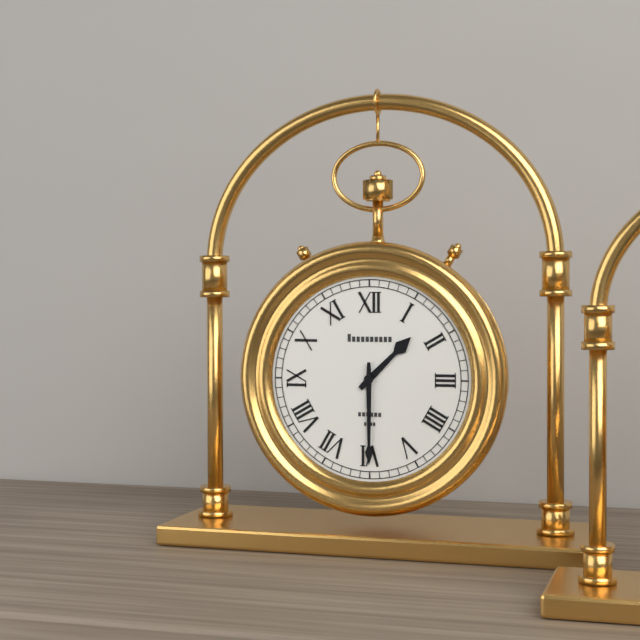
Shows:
{"hour": 1, "minute": 30}
